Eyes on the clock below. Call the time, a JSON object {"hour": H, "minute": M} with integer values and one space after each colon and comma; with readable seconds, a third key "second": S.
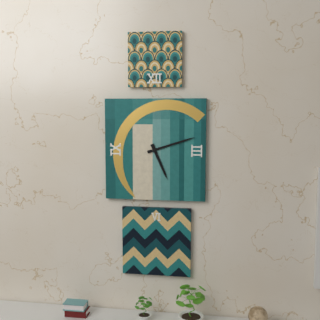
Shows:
{"hour": 5, "minute": 12}
